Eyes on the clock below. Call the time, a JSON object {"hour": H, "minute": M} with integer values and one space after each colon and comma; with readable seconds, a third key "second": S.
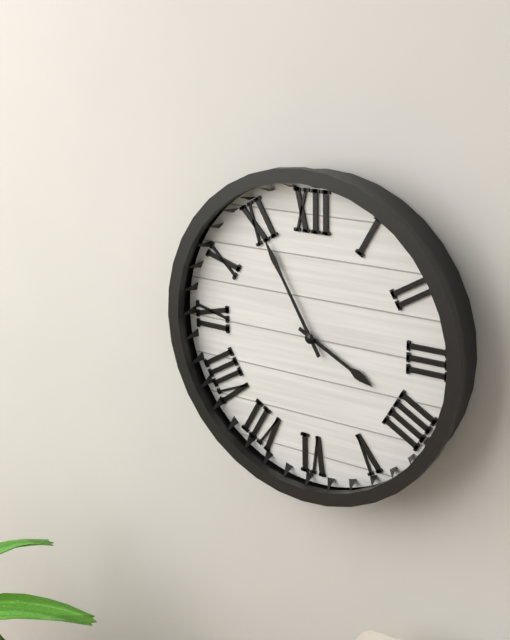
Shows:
{"hour": 3, "minute": 55}
